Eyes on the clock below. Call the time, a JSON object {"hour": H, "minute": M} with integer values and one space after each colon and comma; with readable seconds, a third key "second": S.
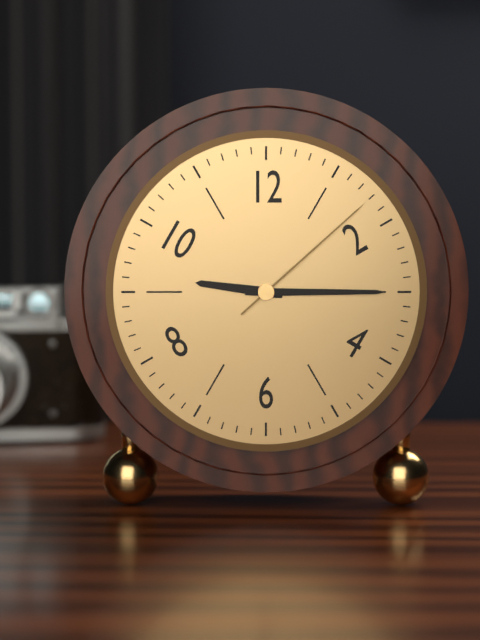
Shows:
{"hour": 9, "minute": 15, "second": 8}
